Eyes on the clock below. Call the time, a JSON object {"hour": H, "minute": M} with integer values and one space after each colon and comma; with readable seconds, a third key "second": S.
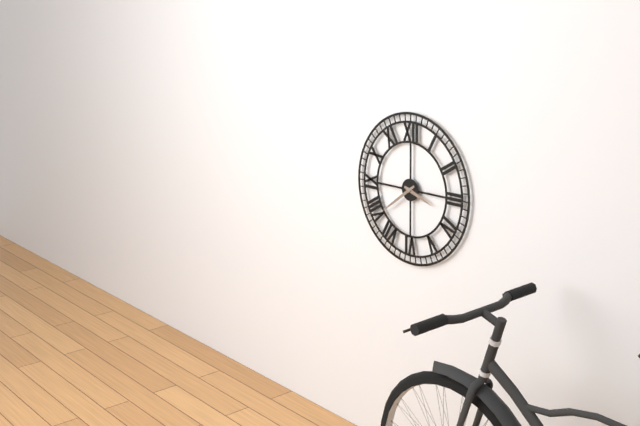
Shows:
{"hour": 3, "minute": 39}
